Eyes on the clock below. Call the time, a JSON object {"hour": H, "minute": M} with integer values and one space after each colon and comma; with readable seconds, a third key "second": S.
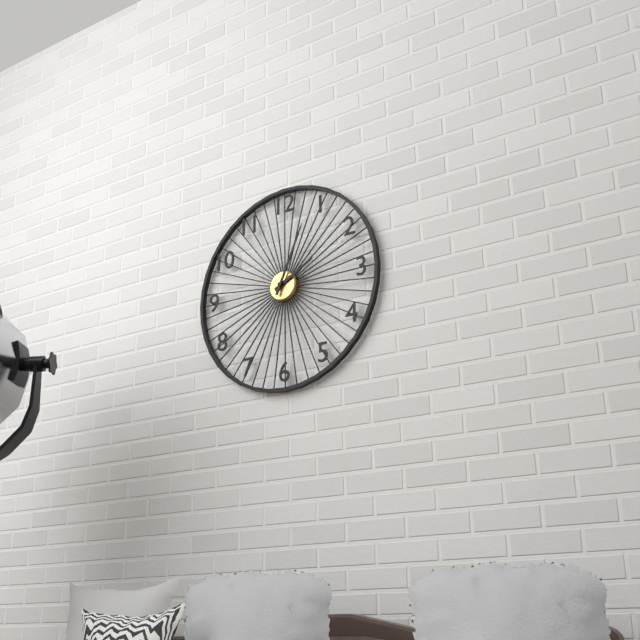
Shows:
{"hour": 2, "minute": 4}
